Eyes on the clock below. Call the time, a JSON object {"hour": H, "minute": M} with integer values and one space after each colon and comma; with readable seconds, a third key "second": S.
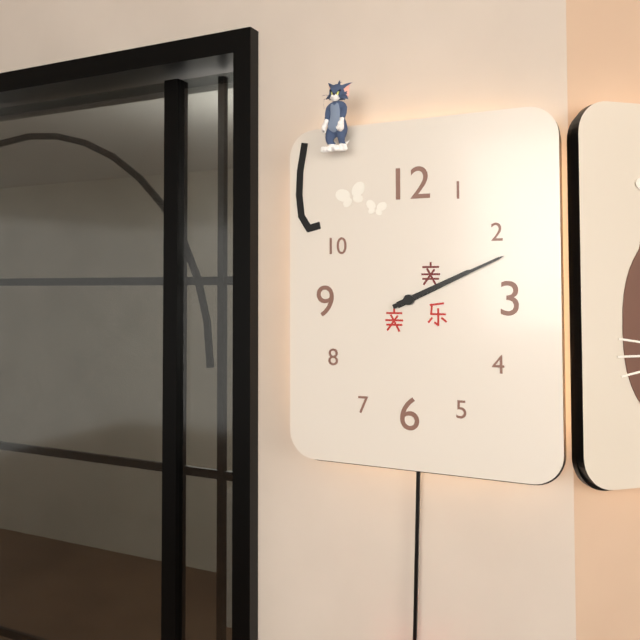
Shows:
{"hour": 2, "minute": 11}
